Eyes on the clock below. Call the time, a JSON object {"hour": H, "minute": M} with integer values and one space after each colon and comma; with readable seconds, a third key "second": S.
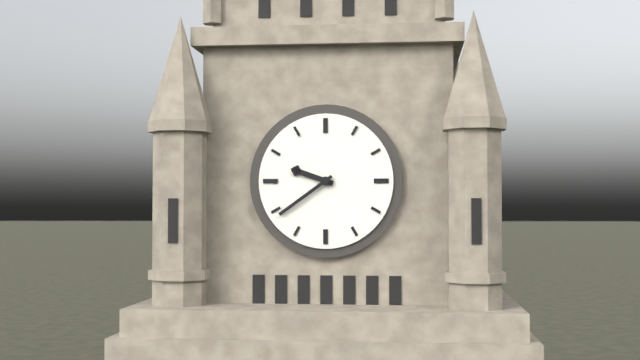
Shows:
{"hour": 9, "minute": 39}
